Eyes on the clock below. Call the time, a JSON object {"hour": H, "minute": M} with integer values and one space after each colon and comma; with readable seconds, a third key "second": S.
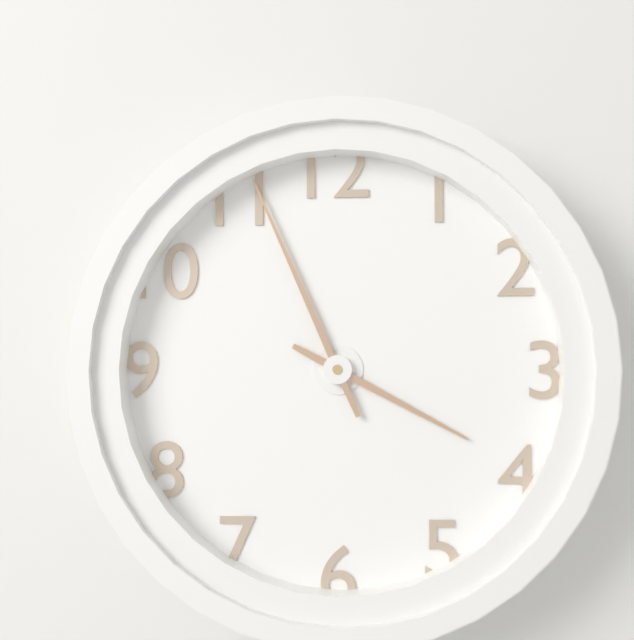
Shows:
{"hour": 3, "minute": 56}
